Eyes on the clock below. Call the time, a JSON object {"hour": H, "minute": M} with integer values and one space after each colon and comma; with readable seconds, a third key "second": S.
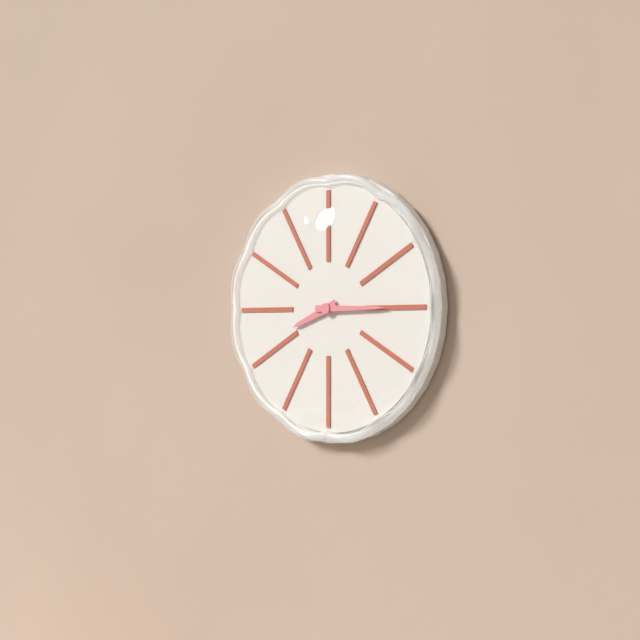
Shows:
{"hour": 8, "minute": 15}
